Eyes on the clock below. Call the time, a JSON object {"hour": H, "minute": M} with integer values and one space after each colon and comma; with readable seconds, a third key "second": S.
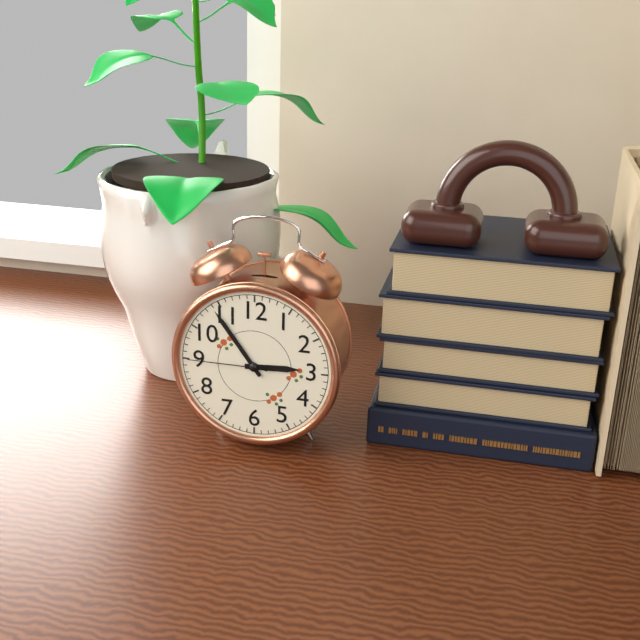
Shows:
{"hour": 2, "minute": 54, "second": 45}
